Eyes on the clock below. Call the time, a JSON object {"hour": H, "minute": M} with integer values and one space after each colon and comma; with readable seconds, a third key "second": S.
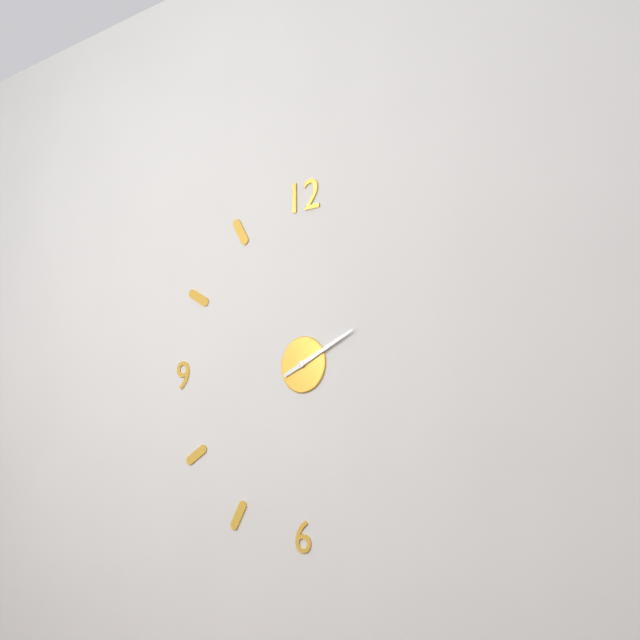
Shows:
{"hour": 2, "minute": 11}
